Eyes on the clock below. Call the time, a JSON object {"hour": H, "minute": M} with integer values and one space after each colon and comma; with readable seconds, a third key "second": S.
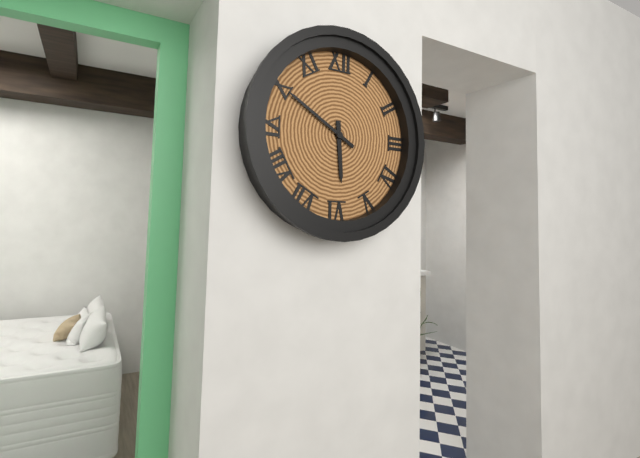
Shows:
{"hour": 5, "minute": 50}
